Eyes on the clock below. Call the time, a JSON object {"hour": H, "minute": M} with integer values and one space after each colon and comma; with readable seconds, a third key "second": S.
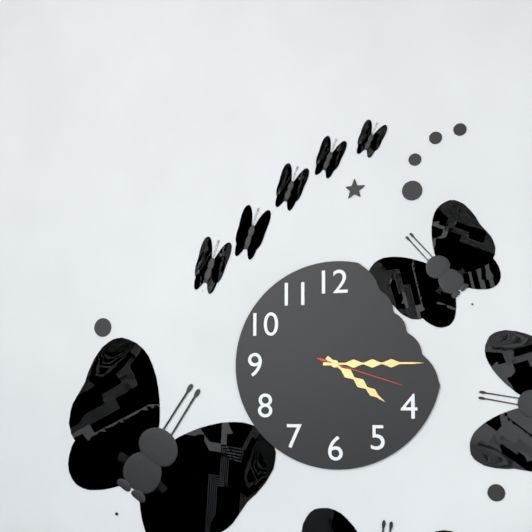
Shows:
{"hour": 4, "minute": 15, "second": 18}
